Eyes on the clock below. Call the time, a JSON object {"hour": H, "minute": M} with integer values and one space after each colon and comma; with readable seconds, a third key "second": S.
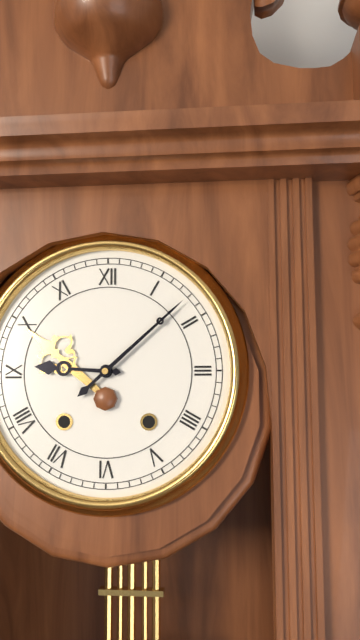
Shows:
{"hour": 9, "minute": 8}
